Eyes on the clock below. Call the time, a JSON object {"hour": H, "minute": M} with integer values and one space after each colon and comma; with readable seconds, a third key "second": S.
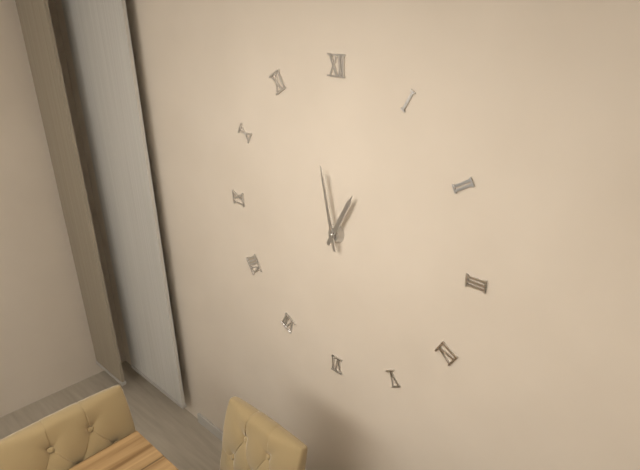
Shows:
{"hour": 12, "minute": 58}
